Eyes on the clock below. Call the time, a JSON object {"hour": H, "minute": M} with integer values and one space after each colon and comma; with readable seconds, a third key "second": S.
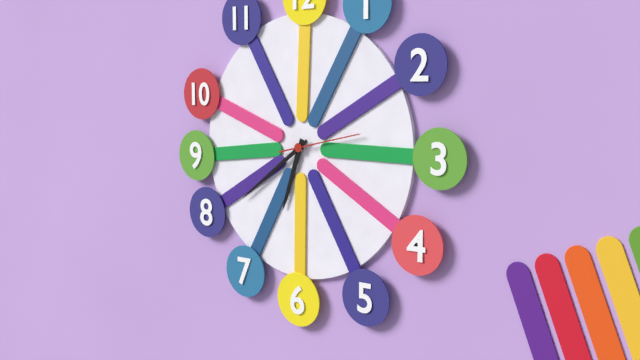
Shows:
{"hour": 6, "minute": 39, "second": 13}
